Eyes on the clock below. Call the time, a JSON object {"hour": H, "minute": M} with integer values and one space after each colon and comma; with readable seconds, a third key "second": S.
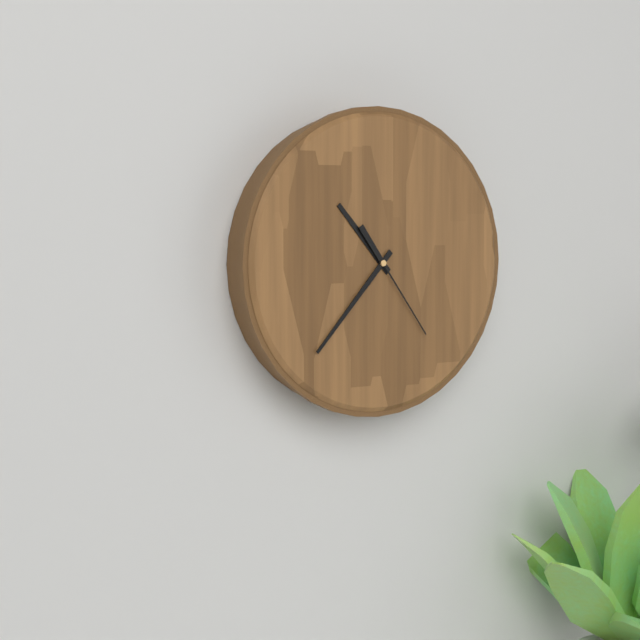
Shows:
{"hour": 10, "minute": 37, "second": 24}
